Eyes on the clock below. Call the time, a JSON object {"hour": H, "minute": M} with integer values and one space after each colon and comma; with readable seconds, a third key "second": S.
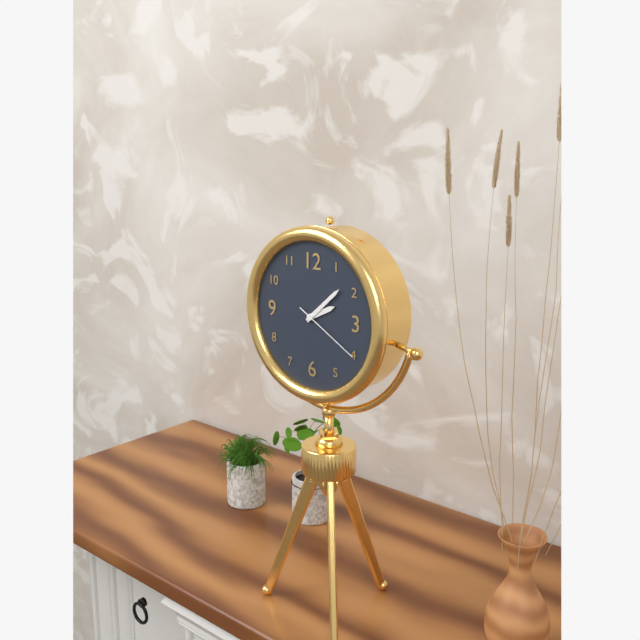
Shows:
{"hour": 2, "minute": 8, "second": 20}
